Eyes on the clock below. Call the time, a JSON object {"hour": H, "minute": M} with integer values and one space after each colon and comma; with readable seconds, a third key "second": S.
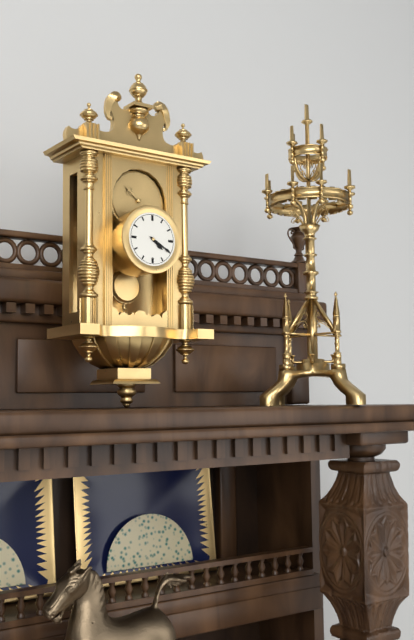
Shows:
{"hour": 4, "minute": 20}
